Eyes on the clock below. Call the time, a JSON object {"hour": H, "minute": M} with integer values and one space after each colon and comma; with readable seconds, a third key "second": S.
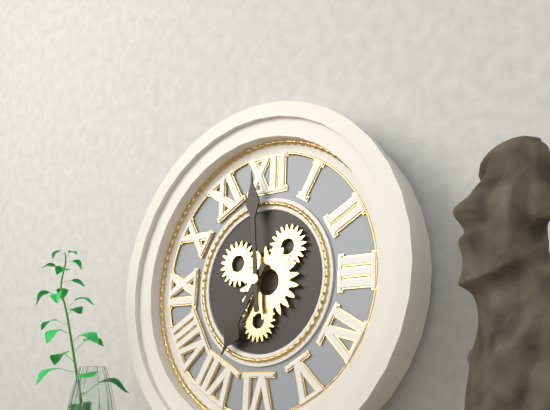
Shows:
{"hour": 6, "minute": 59}
